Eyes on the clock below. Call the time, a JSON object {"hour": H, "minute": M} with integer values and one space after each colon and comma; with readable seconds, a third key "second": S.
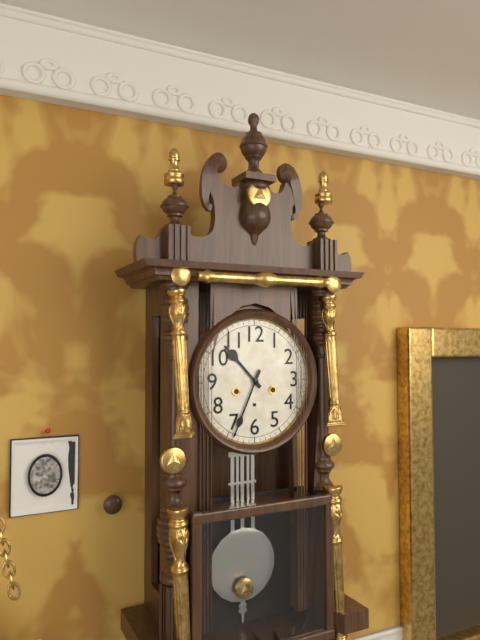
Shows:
{"hour": 10, "minute": 34}
